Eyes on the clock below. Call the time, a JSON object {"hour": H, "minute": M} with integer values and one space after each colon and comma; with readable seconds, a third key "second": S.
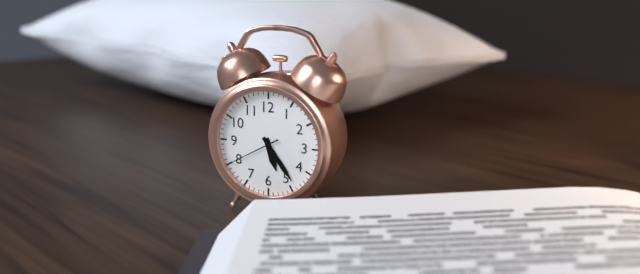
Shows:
{"hour": 5, "minute": 24, "second": 40}
